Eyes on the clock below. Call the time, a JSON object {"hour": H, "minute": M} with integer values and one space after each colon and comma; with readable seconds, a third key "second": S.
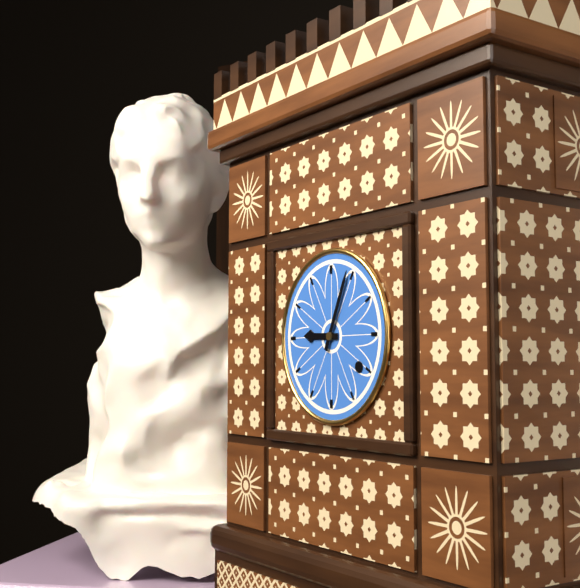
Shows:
{"hour": 9, "minute": 4}
